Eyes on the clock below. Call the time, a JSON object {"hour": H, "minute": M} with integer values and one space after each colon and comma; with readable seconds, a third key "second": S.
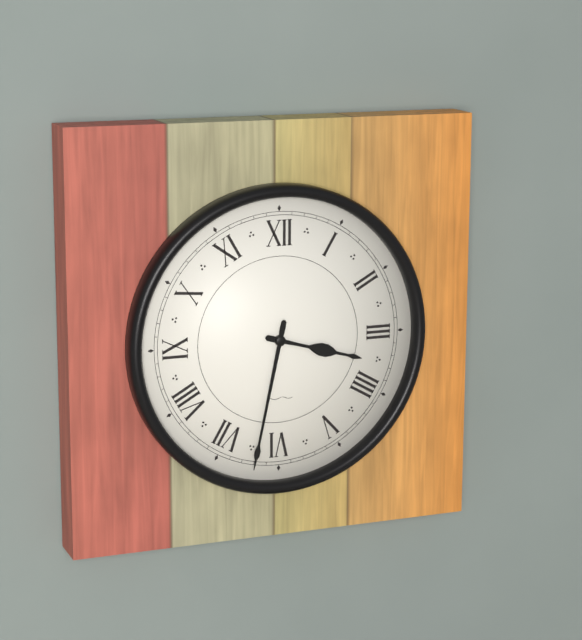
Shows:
{"hour": 3, "minute": 32}
